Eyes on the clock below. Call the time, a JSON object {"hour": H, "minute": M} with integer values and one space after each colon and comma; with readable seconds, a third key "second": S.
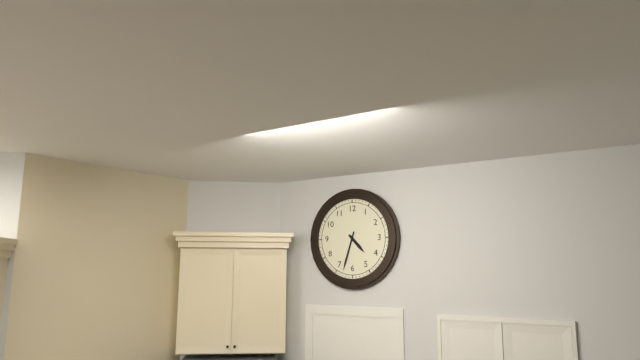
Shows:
{"hour": 4, "minute": 33}
